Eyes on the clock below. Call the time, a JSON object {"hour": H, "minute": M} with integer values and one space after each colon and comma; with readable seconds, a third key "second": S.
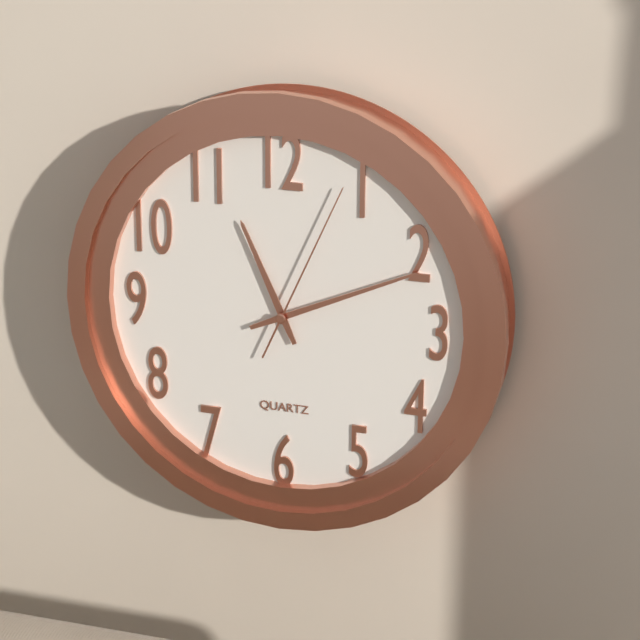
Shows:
{"hour": 11, "minute": 11, "second": 4}
